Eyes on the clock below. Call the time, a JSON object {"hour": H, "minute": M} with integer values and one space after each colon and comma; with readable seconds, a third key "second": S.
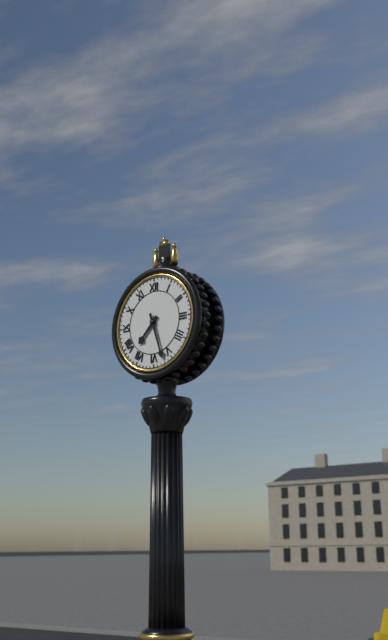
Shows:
{"hour": 7, "minute": 27}
